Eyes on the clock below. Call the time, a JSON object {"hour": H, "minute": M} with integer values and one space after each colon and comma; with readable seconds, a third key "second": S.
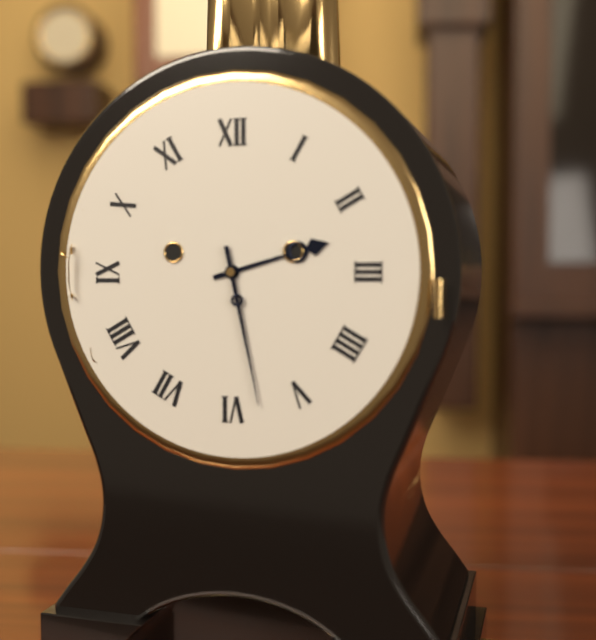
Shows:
{"hour": 2, "minute": 28}
